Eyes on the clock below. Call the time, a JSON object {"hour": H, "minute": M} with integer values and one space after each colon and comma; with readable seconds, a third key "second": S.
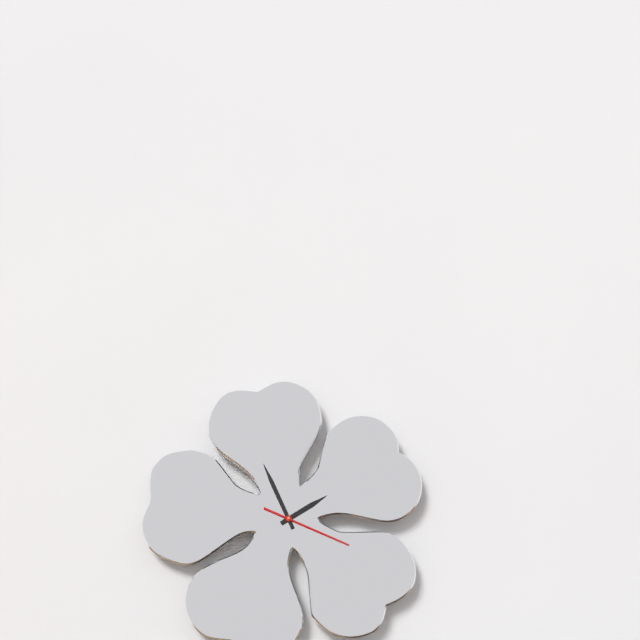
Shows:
{"hour": 1, "minute": 56, "second": 19}
